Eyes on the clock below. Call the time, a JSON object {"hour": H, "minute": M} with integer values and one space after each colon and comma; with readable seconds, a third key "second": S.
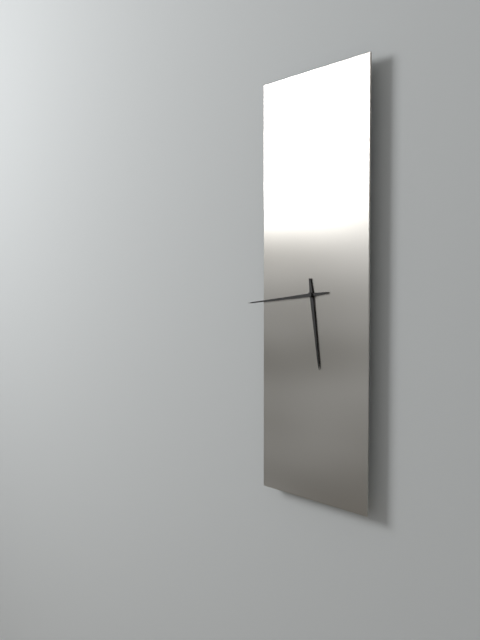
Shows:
{"hour": 5, "minute": 44}
